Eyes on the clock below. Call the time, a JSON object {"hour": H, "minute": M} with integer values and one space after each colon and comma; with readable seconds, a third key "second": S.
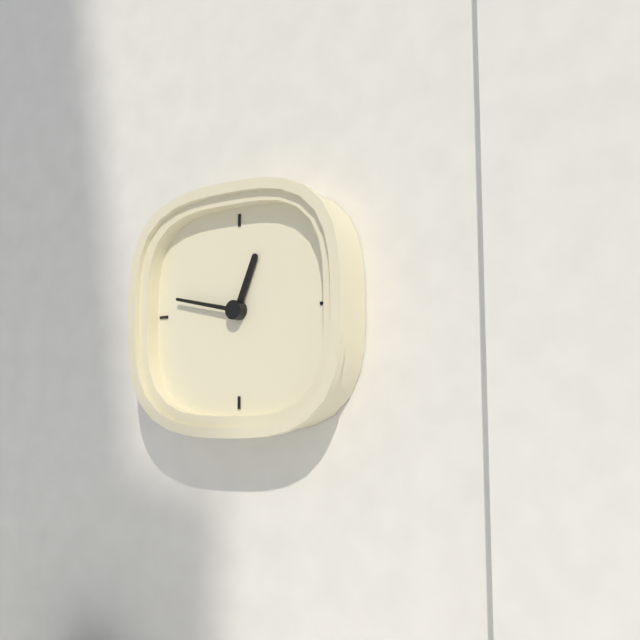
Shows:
{"hour": 12, "minute": 47}
